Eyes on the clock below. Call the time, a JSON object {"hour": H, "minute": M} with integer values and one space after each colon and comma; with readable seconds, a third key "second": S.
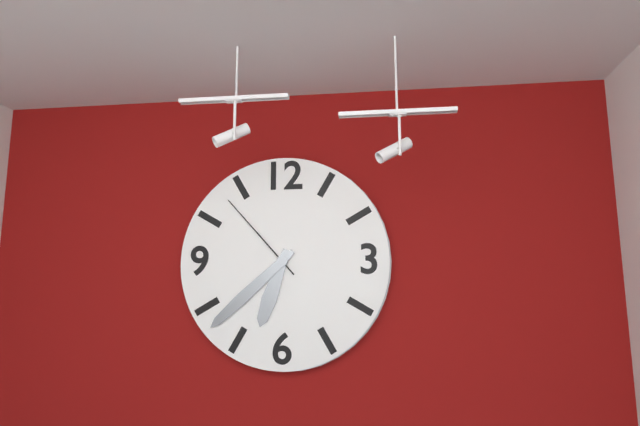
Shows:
{"hour": 6, "minute": 38, "second": 53}
